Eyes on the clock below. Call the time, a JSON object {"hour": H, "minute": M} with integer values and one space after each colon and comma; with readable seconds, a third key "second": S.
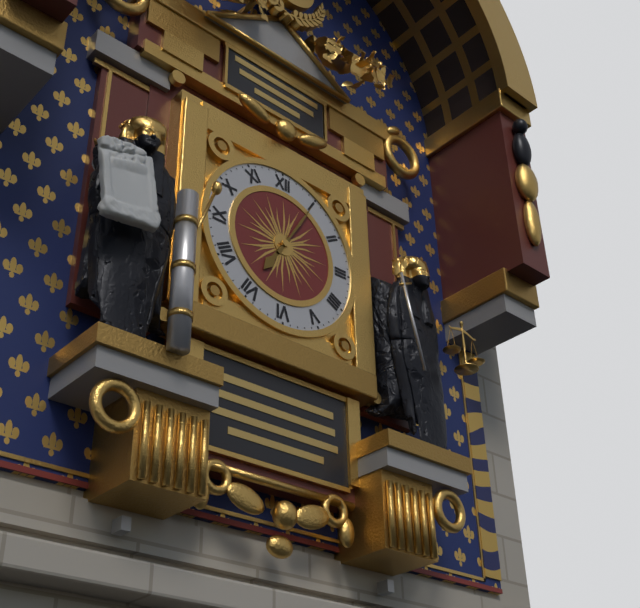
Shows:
{"hour": 7, "minute": 5}
